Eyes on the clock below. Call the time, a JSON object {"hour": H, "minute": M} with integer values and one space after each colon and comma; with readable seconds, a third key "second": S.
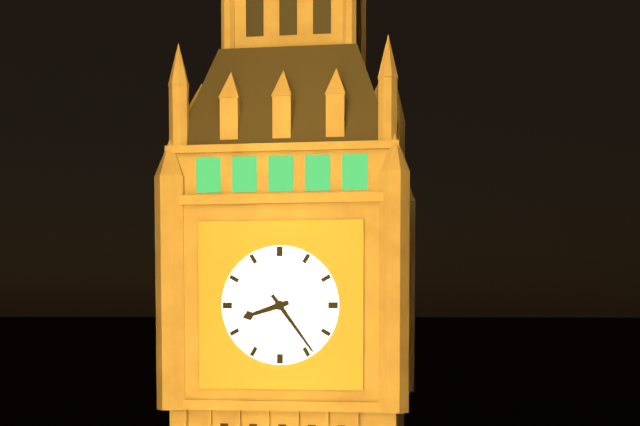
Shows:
{"hour": 8, "minute": 24}
